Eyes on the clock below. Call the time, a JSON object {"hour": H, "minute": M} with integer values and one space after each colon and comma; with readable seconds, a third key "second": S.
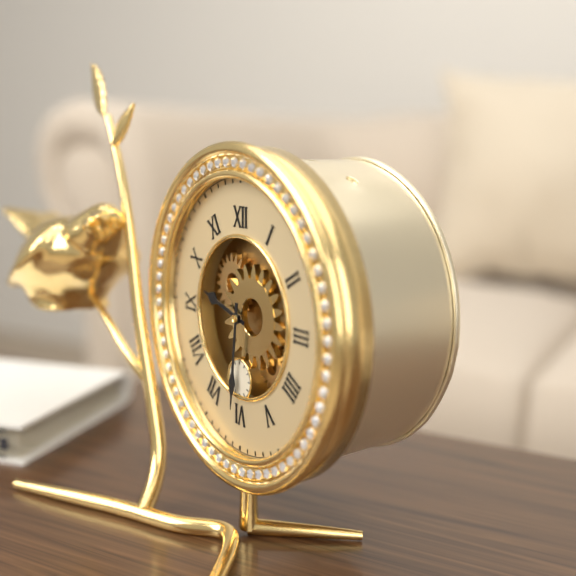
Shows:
{"hour": 9, "minute": 31}
